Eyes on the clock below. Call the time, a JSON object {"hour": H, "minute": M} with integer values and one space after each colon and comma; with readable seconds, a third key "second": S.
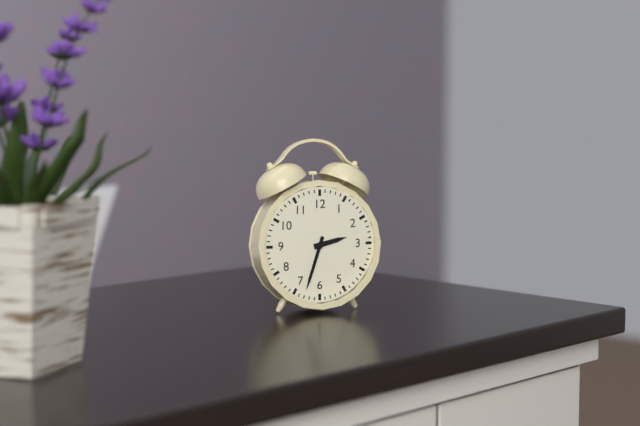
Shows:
{"hour": 2, "minute": 33}
